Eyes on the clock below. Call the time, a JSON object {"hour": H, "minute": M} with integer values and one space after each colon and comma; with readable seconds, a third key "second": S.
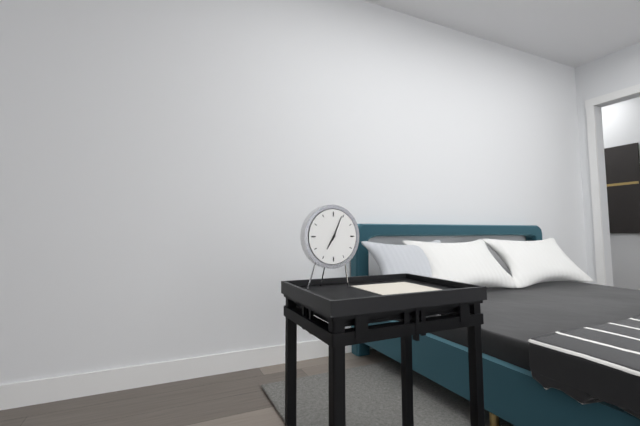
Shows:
{"hour": 7, "minute": 4}
